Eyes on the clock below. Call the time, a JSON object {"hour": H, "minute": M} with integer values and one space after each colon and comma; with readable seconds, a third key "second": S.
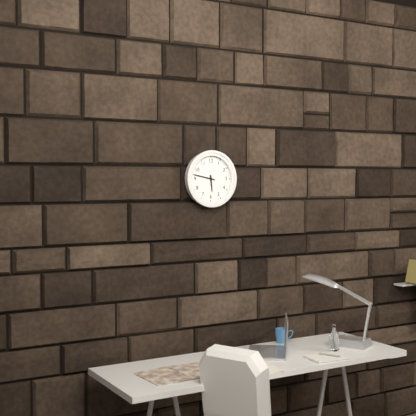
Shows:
{"hour": 5, "minute": 47}
